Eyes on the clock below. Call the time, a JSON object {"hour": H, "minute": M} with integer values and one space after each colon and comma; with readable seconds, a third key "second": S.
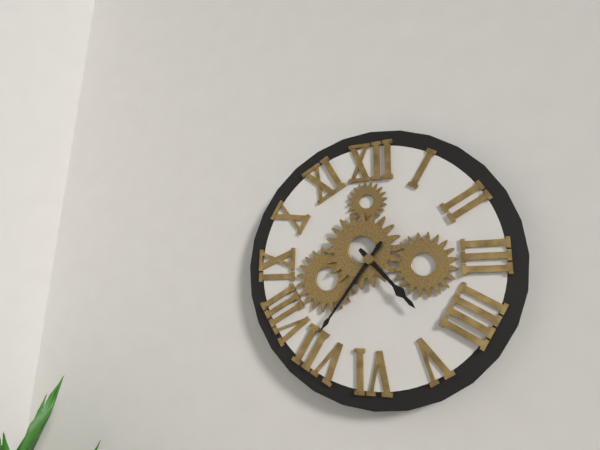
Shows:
{"hour": 4, "minute": 36}
